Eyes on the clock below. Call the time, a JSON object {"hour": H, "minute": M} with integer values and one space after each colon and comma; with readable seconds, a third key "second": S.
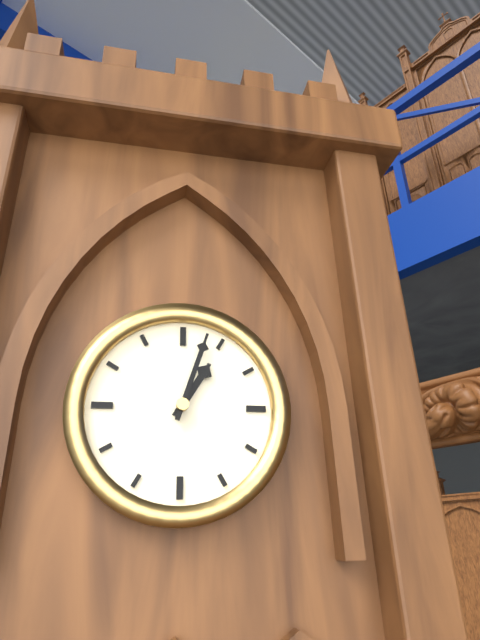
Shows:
{"hour": 1, "minute": 3}
